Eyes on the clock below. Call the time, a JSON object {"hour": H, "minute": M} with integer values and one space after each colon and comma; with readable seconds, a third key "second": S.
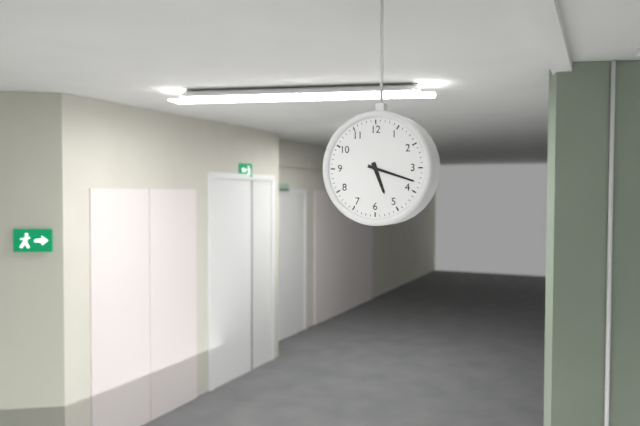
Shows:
{"hour": 5, "minute": 18}
